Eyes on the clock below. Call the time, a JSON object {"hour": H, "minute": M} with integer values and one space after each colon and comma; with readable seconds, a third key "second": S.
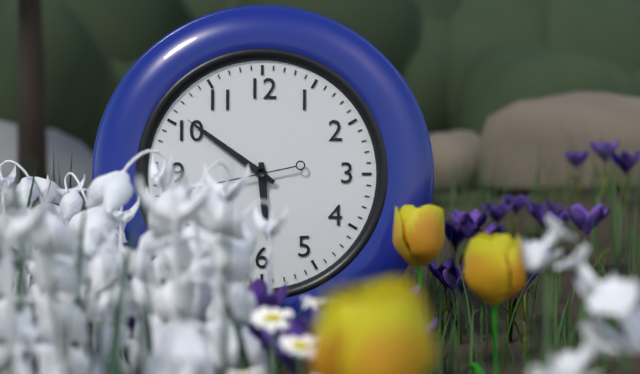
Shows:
{"hour": 5, "minute": 51}
